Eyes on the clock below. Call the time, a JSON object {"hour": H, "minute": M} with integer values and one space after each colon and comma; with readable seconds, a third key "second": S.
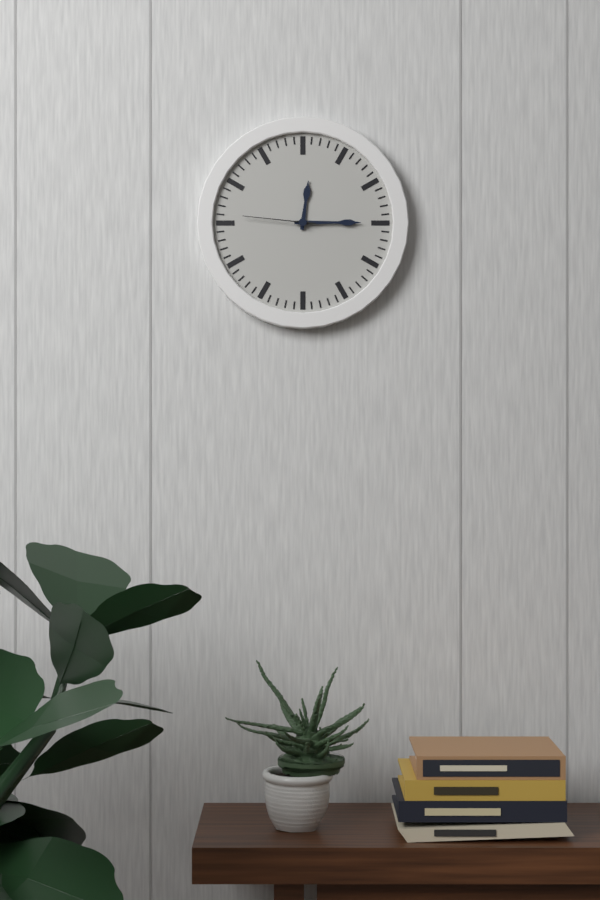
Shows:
{"hour": 12, "minute": 15, "second": 46}
